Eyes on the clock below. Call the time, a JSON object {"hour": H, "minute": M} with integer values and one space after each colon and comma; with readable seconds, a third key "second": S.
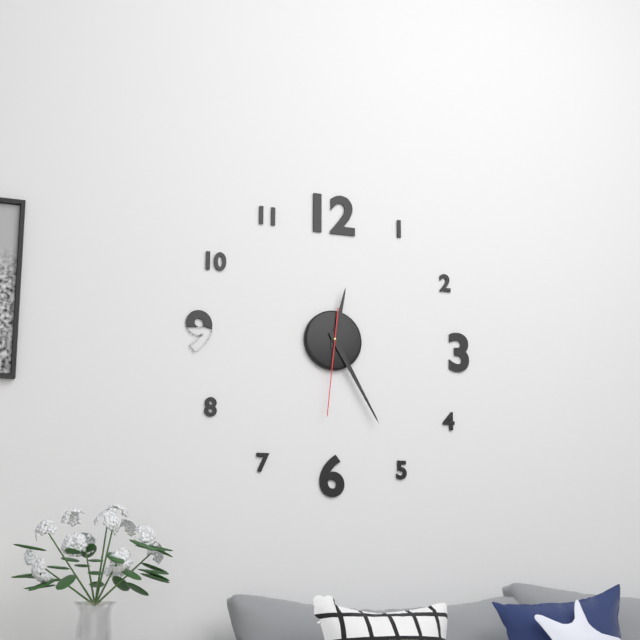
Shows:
{"hour": 12, "minute": 25, "second": 31}
